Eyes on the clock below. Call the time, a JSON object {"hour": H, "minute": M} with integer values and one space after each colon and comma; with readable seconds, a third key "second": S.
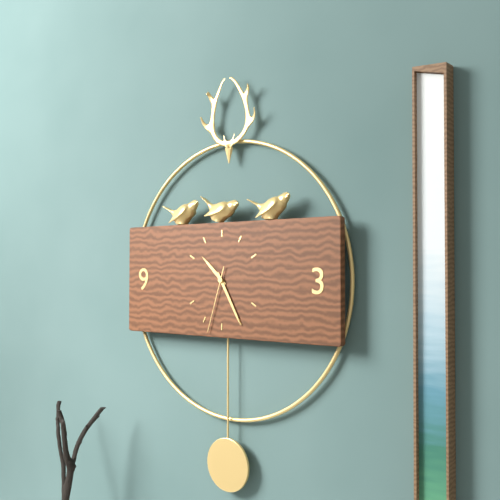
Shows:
{"hour": 10, "minute": 25, "second": 33}
